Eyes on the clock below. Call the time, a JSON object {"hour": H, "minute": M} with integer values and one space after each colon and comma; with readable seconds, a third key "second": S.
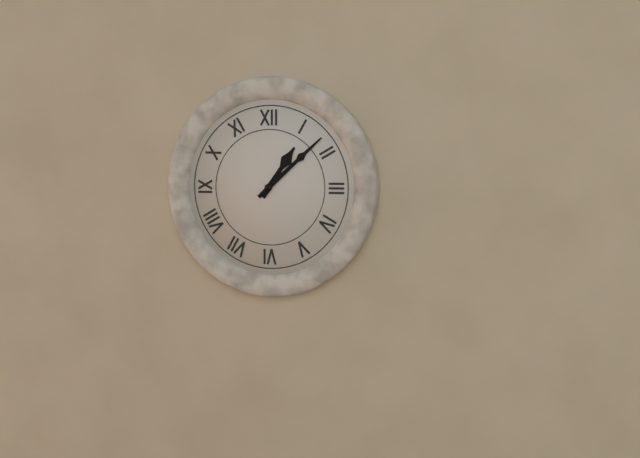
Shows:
{"hour": 1, "minute": 8}
